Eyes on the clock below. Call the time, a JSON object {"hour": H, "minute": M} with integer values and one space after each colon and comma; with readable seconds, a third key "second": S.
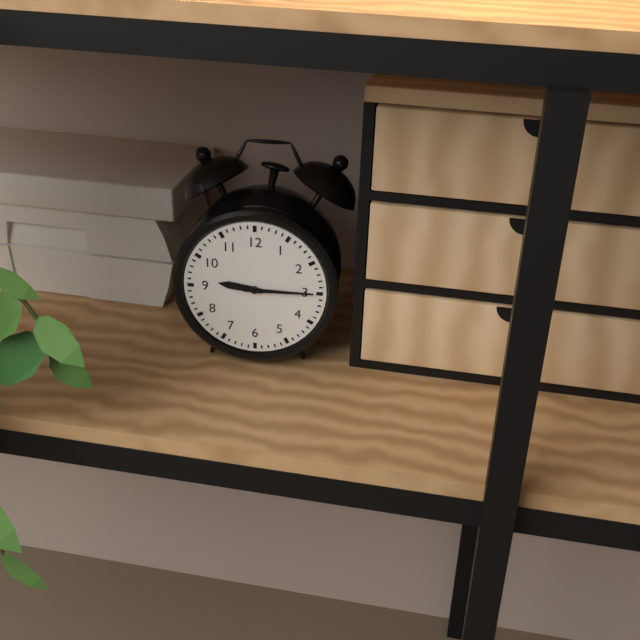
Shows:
{"hour": 9, "minute": 15}
